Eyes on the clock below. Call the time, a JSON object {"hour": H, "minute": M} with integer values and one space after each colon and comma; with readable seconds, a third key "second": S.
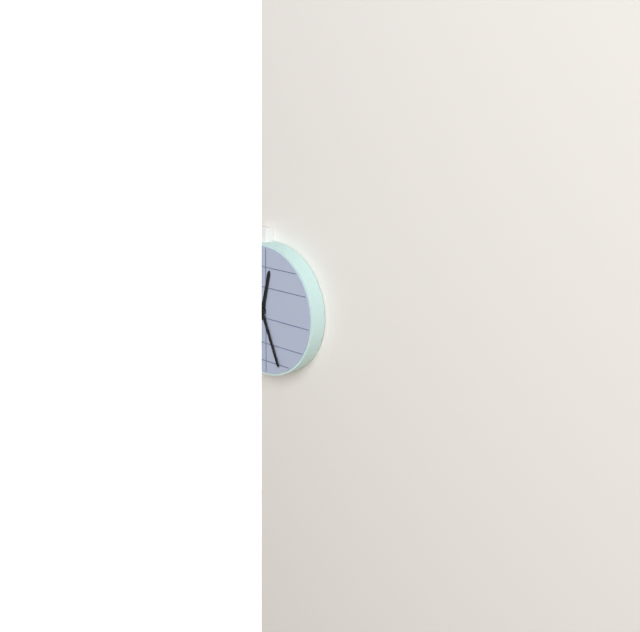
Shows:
{"hour": 12, "minute": 26}
